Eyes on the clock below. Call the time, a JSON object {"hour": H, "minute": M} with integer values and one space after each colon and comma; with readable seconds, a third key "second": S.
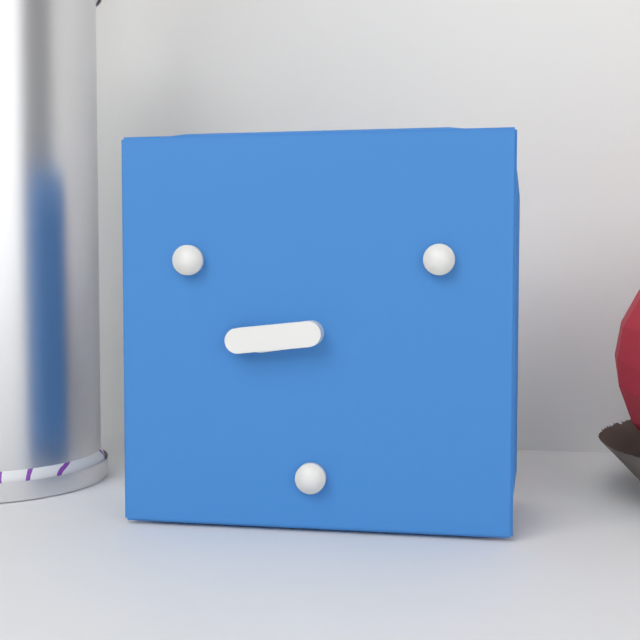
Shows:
{"hour": 8, "minute": 44}
